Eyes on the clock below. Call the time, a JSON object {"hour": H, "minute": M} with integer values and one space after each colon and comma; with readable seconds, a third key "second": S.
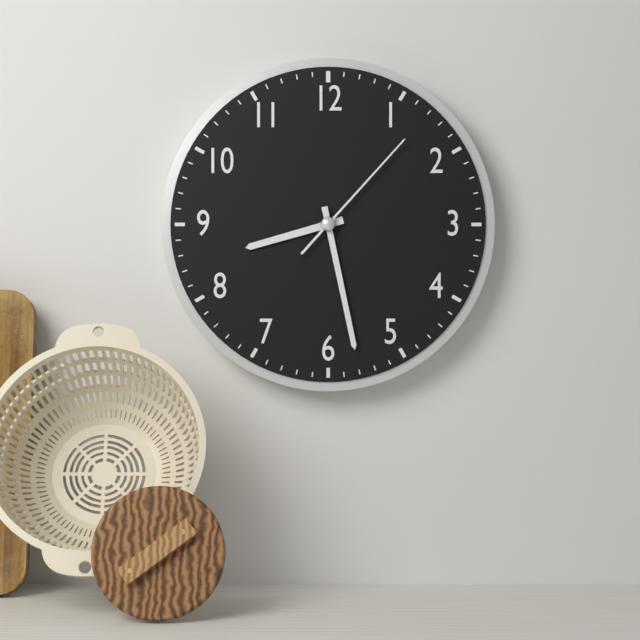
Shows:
{"hour": 8, "minute": 28, "second": 7}
